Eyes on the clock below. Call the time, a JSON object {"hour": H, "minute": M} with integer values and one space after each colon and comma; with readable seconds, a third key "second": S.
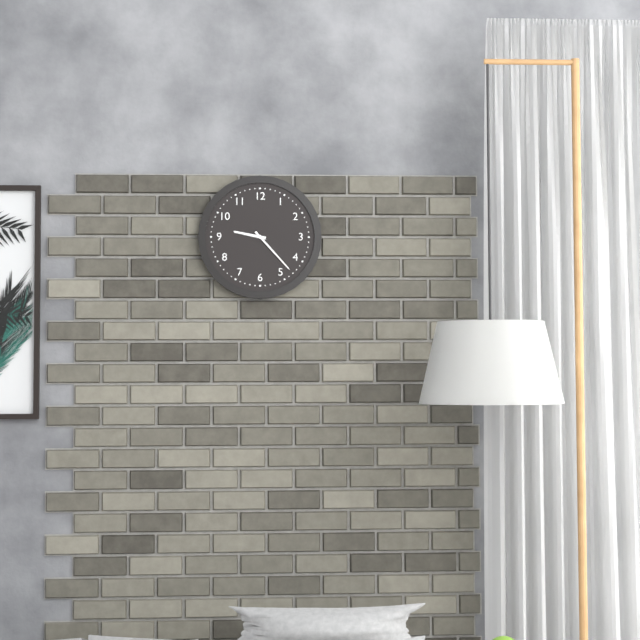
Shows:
{"hour": 9, "minute": 23}
